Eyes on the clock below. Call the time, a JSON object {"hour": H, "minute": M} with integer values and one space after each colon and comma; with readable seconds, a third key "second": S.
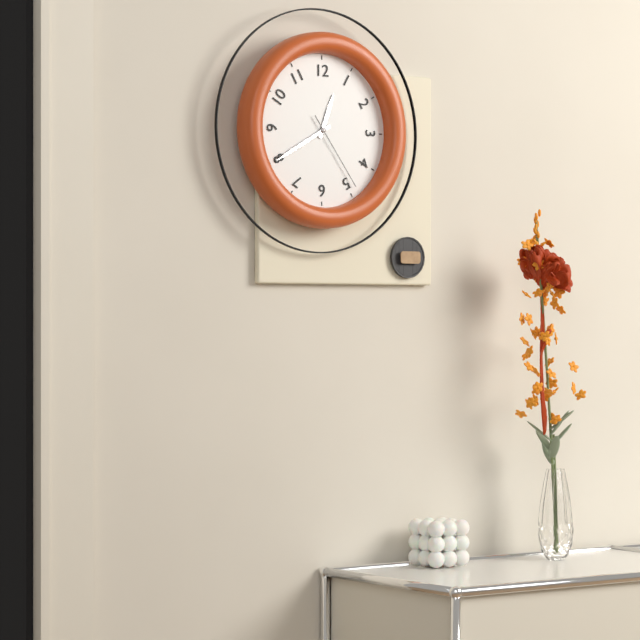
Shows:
{"hour": 12, "minute": 40, "second": 24}
